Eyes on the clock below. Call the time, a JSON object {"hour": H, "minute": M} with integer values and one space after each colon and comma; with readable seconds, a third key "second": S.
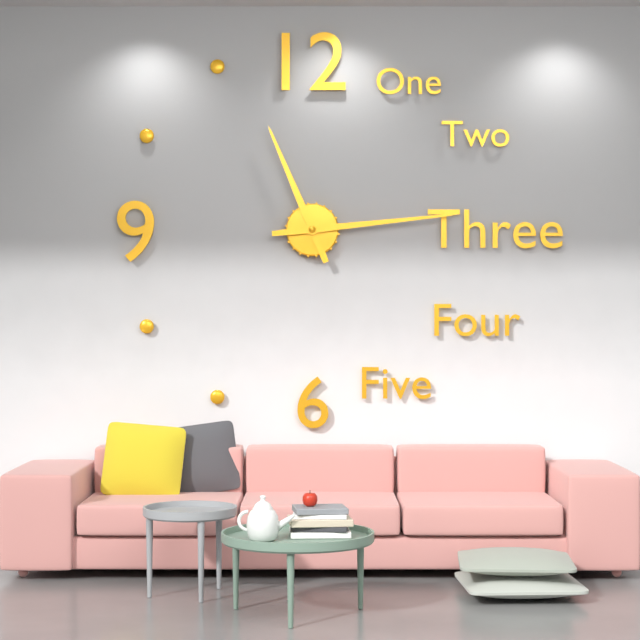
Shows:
{"hour": 11, "minute": 14}
